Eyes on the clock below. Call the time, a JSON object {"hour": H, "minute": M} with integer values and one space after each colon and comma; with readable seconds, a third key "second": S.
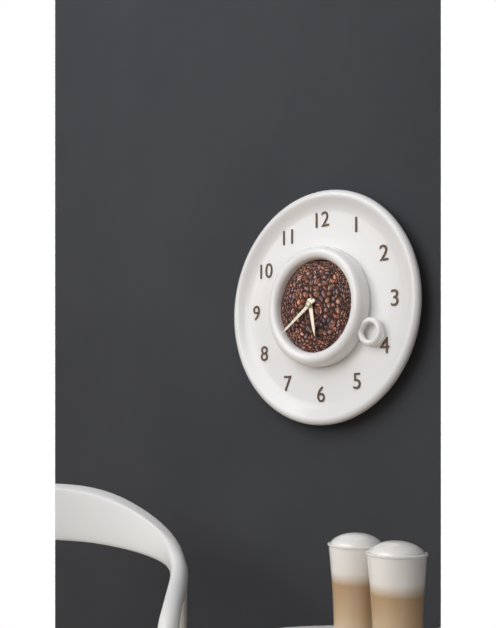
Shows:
{"hour": 5, "minute": 39}
